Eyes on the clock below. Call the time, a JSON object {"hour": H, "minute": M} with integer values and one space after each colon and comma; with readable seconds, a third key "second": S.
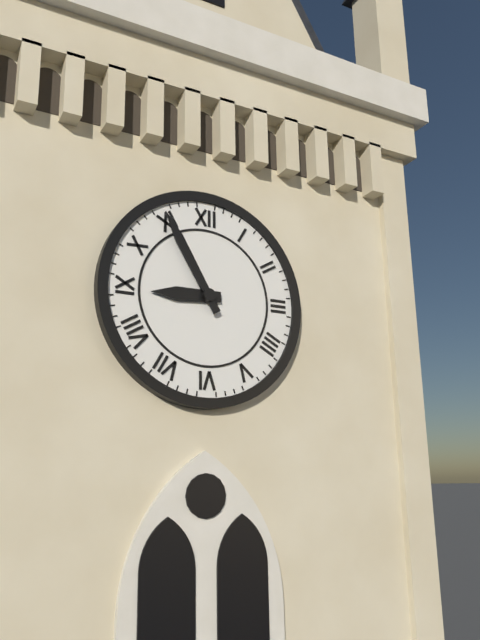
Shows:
{"hour": 8, "minute": 55}
